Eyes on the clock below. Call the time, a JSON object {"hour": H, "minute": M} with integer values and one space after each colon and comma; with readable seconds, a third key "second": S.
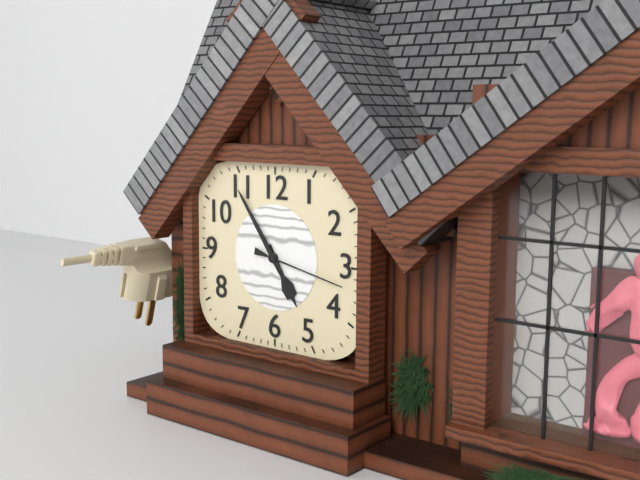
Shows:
{"hour": 4, "minute": 54, "second": 17}
